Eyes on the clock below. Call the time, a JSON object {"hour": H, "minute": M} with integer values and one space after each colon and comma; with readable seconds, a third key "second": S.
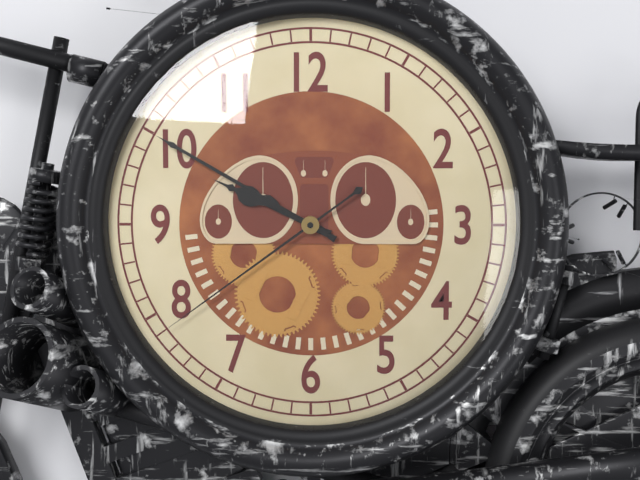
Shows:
{"hour": 9, "minute": 50, "second": 39}
